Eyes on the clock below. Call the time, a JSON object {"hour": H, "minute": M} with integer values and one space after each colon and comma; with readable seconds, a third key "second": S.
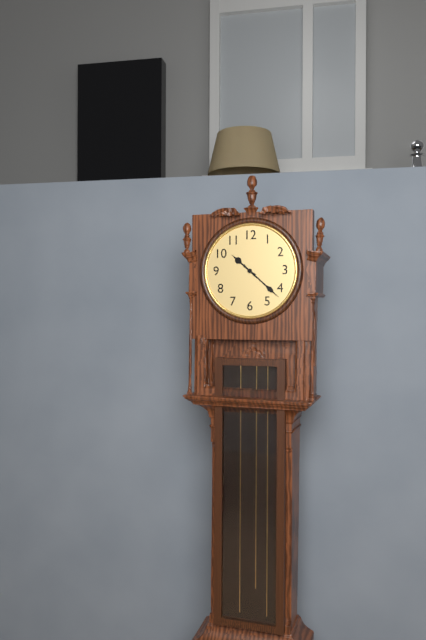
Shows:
{"hour": 10, "minute": 22}
